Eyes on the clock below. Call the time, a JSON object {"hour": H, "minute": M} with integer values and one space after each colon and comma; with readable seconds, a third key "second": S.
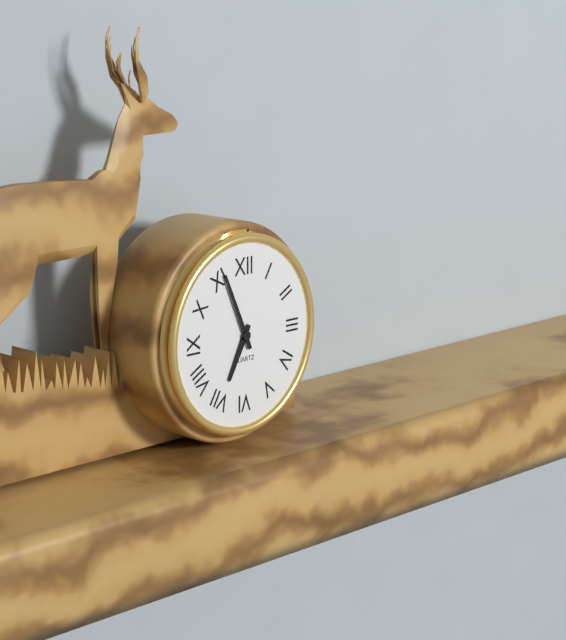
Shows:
{"hour": 6, "minute": 56}
